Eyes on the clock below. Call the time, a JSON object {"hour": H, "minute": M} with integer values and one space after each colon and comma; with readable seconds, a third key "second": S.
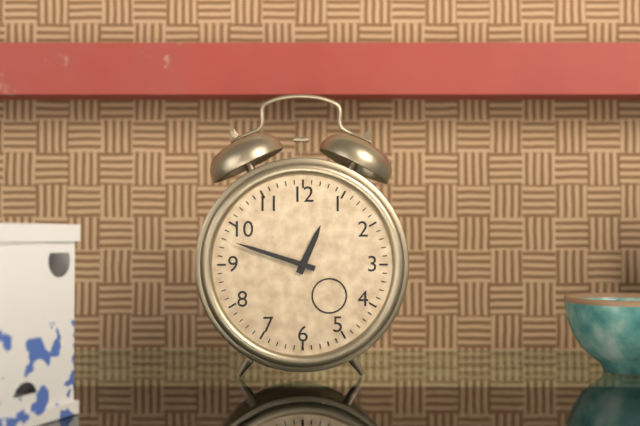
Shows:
{"hour": 12, "minute": 48}
